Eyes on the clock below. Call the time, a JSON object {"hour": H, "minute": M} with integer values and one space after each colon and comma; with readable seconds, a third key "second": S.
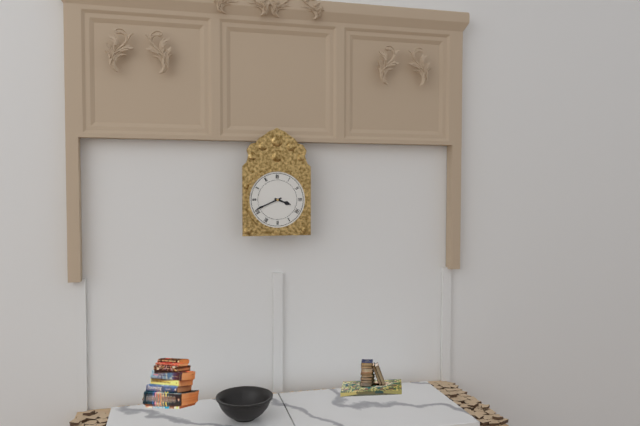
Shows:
{"hour": 3, "minute": 41}
